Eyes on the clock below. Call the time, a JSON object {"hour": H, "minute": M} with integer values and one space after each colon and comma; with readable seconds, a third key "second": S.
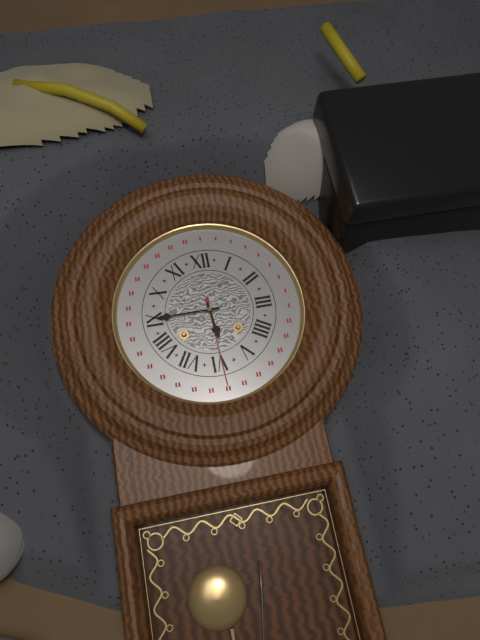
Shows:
{"hour": 5, "minute": 45}
